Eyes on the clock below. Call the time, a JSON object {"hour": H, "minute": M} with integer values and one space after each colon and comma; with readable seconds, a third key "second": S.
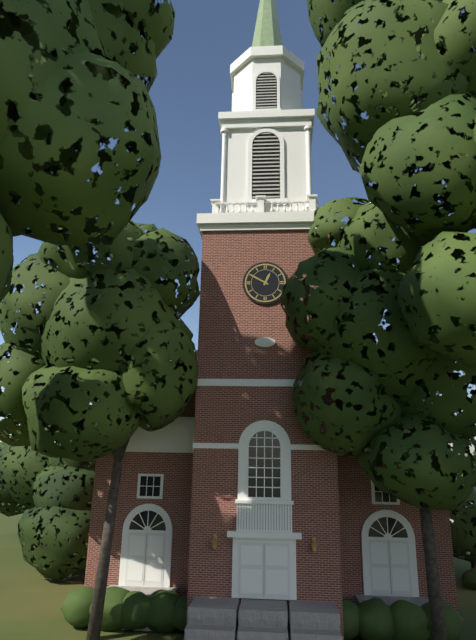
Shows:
{"hour": 12, "minute": 50}
